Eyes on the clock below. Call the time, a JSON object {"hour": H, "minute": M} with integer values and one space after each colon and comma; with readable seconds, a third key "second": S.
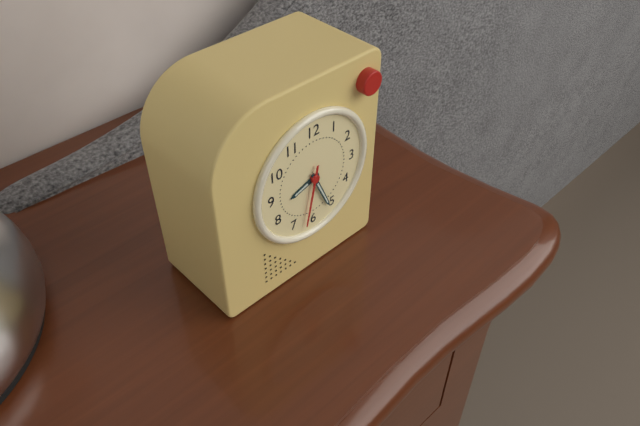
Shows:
{"hour": 8, "minute": 26, "second": 32}
